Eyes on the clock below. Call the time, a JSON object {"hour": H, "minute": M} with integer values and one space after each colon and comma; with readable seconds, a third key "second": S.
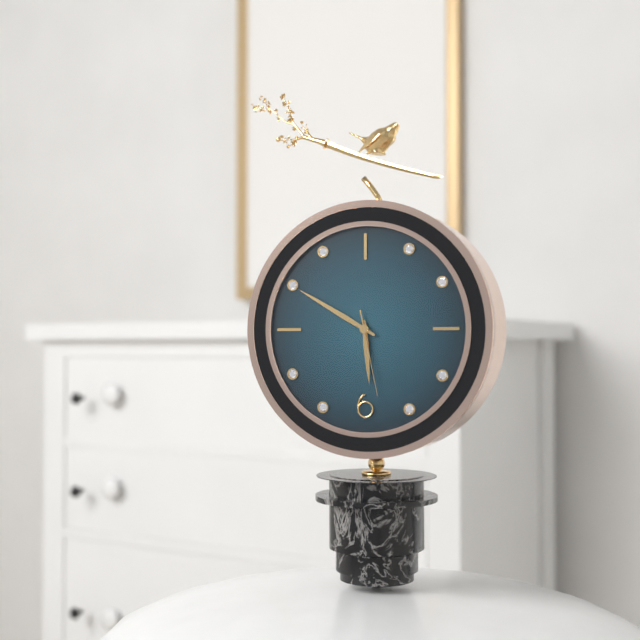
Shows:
{"hour": 5, "minute": 50, "second": 28}
